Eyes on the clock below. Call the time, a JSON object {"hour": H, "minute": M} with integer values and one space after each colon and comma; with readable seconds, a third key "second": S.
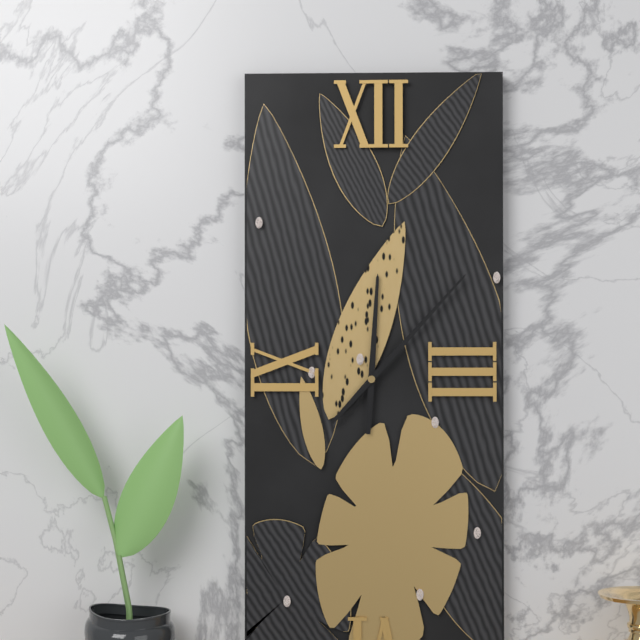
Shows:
{"hour": 12, "minute": 7}
